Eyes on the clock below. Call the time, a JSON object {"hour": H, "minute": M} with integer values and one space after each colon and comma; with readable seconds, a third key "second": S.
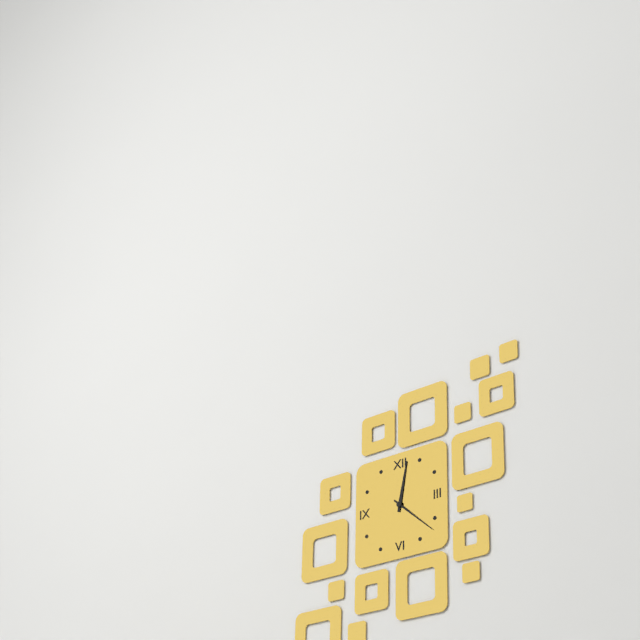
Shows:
{"hour": 12, "minute": 22}
